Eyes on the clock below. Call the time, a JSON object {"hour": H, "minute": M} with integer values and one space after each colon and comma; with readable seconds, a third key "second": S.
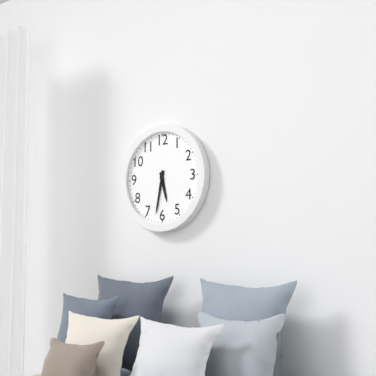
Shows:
{"hour": 5, "minute": 32}
